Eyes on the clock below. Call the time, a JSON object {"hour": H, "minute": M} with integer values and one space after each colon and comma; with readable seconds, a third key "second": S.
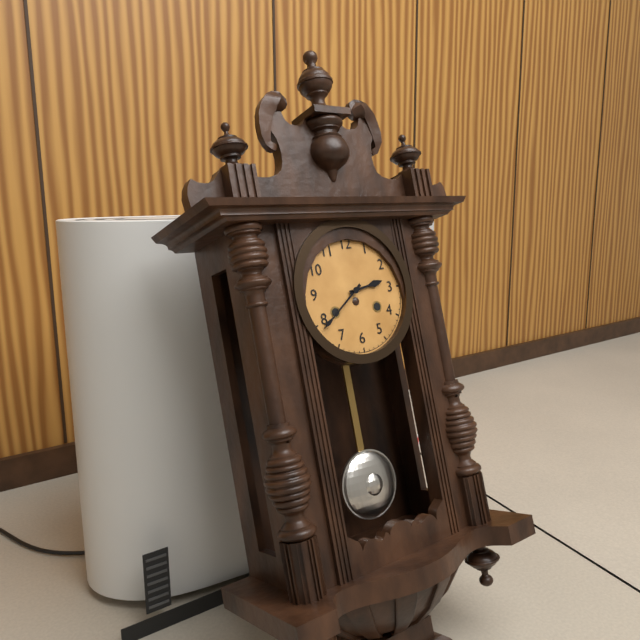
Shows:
{"hour": 2, "minute": 39}
